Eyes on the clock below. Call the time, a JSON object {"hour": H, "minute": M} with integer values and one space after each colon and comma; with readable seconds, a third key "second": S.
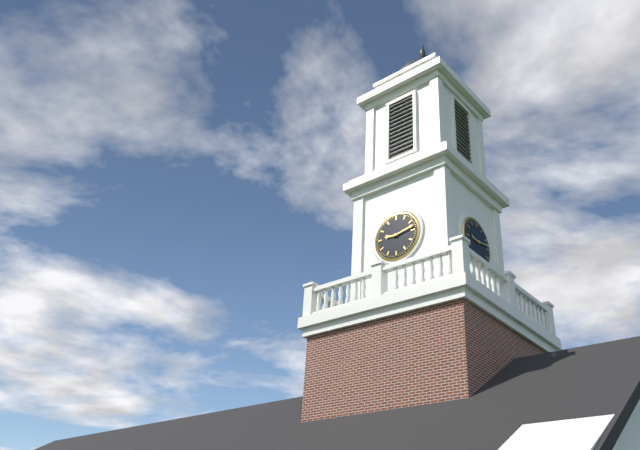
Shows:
{"hour": 9, "minute": 13}
